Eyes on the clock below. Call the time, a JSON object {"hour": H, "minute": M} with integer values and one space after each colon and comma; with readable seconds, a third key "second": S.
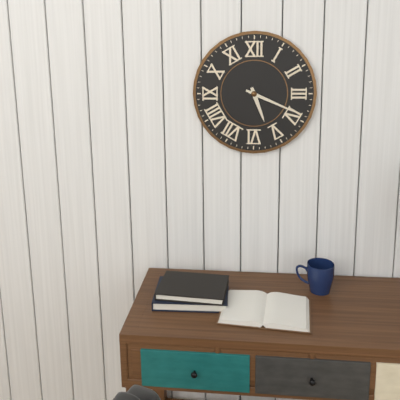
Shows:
{"hour": 5, "minute": 19}
